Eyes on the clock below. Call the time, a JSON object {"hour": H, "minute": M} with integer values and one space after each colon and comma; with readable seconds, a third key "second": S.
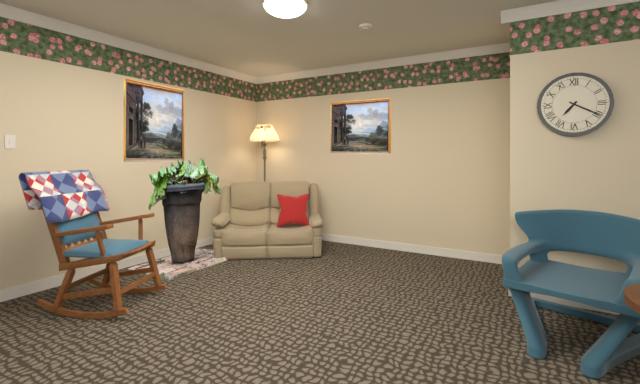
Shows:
{"hour": 7, "minute": 20}
